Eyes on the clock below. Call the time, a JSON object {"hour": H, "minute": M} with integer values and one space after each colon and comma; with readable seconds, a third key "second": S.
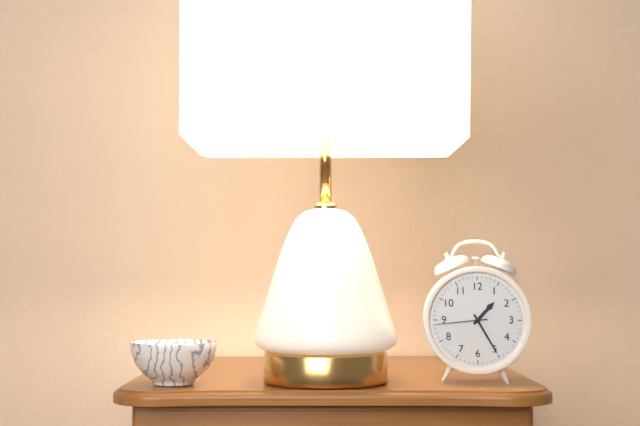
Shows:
{"hour": 1, "minute": 25, "second": 44}
